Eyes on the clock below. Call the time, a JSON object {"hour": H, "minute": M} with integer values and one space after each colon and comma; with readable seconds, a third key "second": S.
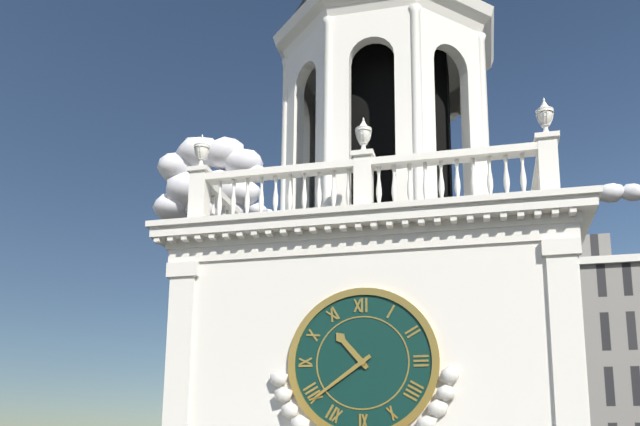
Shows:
{"hour": 10, "minute": 39}
